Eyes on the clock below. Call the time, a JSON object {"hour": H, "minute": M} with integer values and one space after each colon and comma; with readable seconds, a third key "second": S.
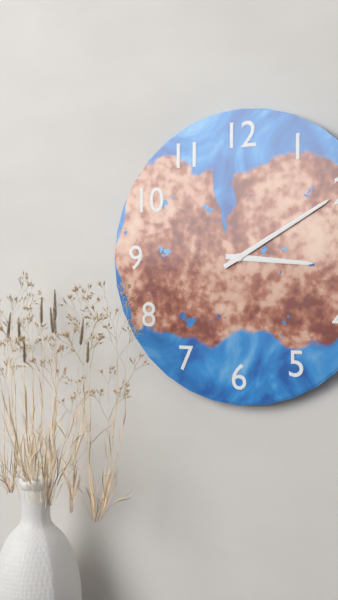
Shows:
{"hour": 3, "minute": 10}
